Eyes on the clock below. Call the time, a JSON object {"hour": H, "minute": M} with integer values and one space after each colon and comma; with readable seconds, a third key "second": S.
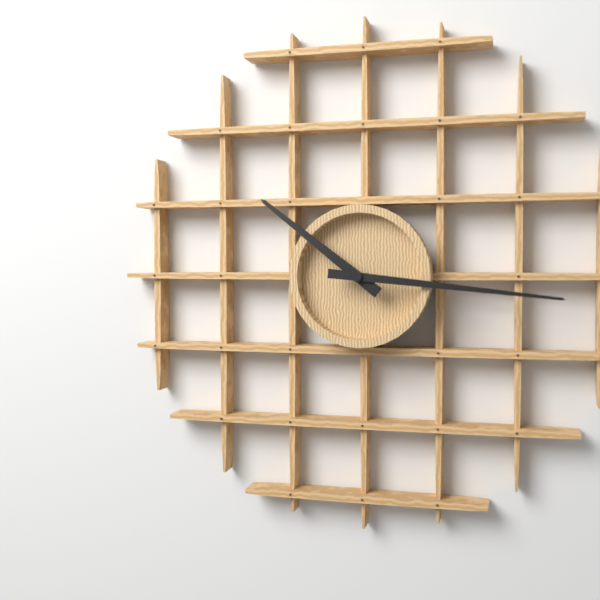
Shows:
{"hour": 10, "minute": 16}
